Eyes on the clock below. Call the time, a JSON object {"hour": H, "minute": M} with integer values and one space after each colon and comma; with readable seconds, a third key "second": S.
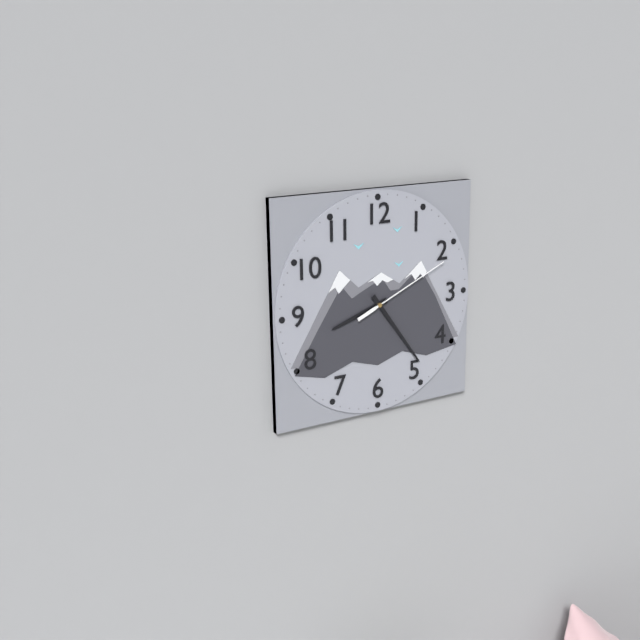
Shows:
{"hour": 8, "minute": 24, "second": 11}
